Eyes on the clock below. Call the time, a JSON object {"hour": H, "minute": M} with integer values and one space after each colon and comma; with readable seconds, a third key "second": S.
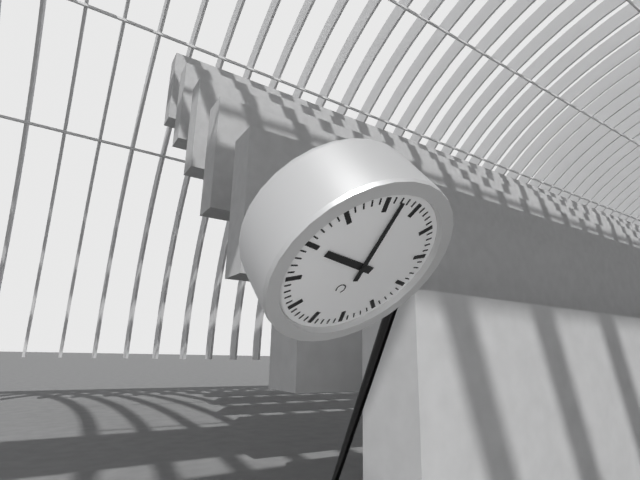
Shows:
{"hour": 8, "minute": 57}
